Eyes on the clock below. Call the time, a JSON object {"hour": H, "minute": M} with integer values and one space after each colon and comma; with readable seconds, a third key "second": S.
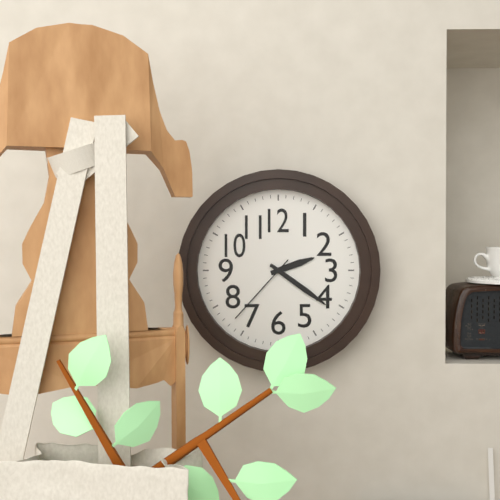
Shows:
{"hour": 2, "minute": 21, "second": 37}
